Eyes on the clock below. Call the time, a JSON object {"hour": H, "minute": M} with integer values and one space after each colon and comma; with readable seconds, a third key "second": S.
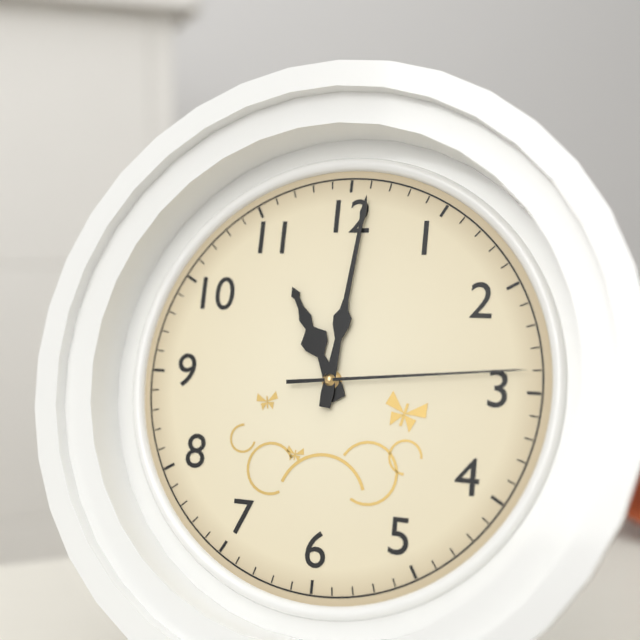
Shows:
{"hour": 11, "minute": 1, "second": 14}
